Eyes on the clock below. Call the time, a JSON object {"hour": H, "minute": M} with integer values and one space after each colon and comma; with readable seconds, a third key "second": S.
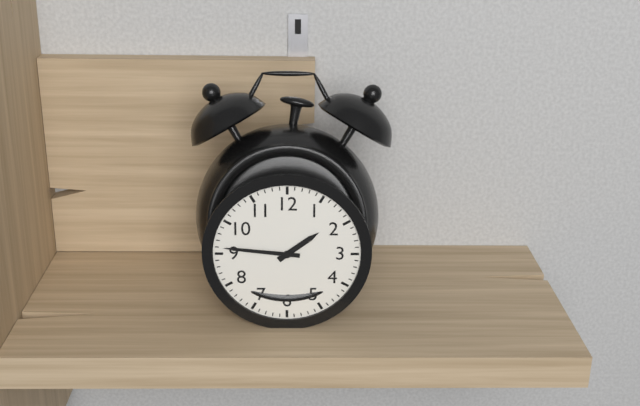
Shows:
{"hour": 1, "minute": 46}
